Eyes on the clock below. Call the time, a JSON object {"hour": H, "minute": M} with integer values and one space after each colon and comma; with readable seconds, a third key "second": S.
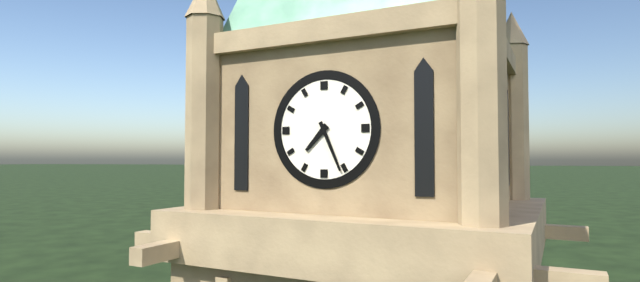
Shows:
{"hour": 7, "minute": 26}
